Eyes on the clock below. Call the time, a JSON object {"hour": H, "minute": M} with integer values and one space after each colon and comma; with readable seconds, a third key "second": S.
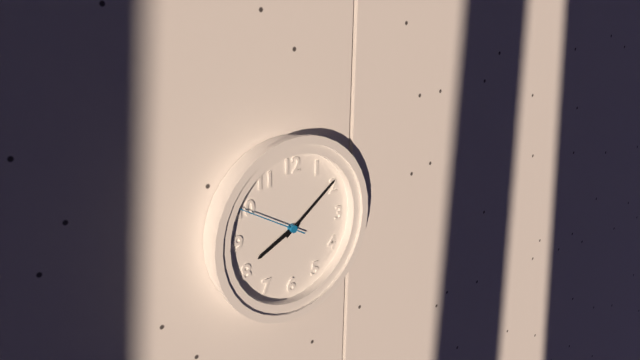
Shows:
{"hour": 8, "minute": 9, "second": 50}
